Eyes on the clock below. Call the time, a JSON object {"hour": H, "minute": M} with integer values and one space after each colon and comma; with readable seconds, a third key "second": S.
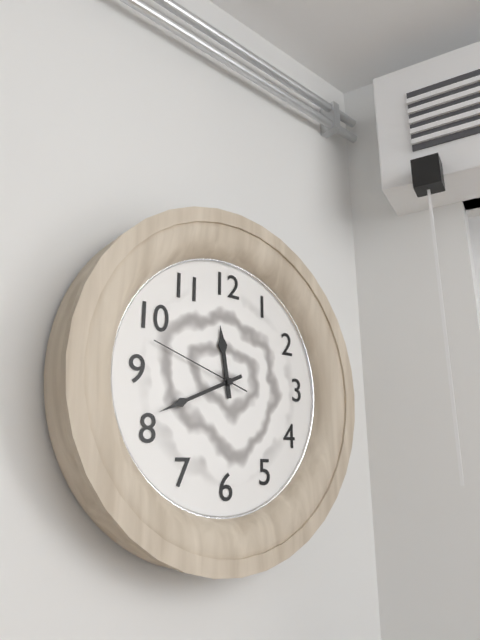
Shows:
{"hour": 11, "minute": 41, "second": 48}
